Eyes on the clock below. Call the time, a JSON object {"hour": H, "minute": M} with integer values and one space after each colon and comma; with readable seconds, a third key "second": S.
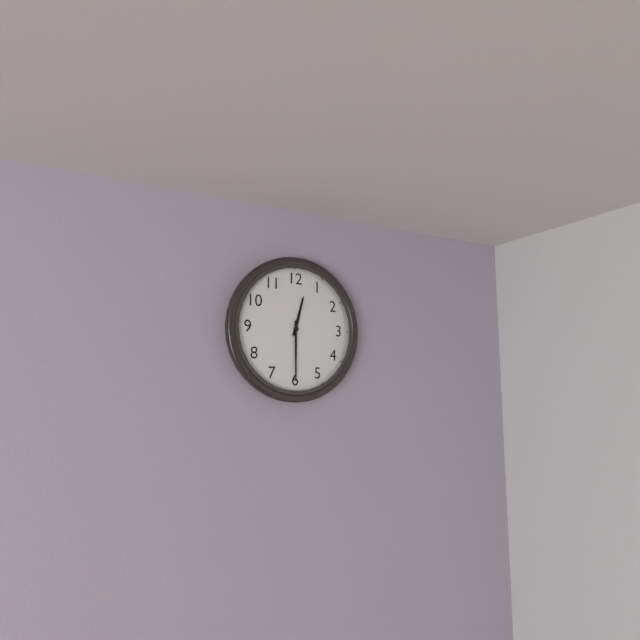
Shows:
{"hour": 12, "minute": 30}
